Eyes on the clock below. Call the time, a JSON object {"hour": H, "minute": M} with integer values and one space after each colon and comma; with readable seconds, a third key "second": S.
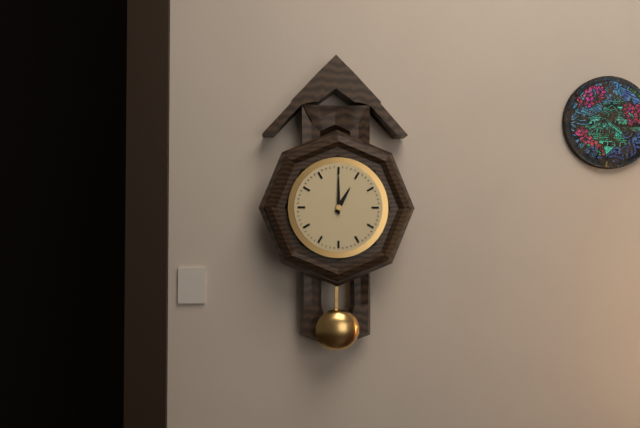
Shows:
{"hour": 1, "minute": 0}
